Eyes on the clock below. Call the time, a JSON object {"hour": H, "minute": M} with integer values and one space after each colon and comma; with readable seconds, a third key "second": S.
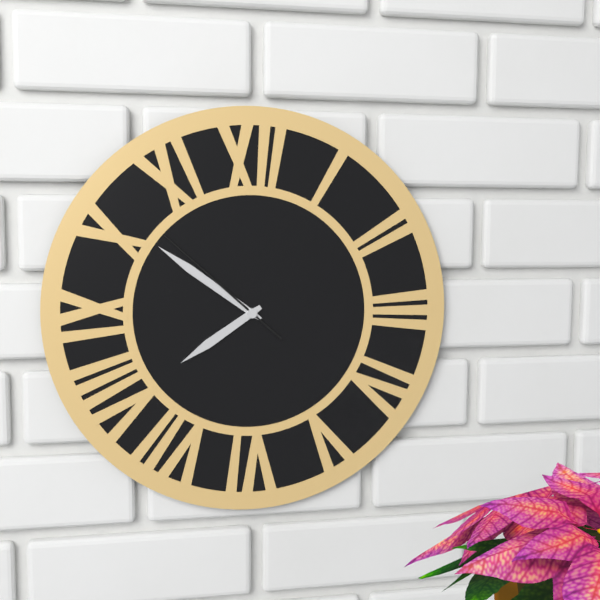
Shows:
{"hour": 7, "minute": 51, "second": 52}
